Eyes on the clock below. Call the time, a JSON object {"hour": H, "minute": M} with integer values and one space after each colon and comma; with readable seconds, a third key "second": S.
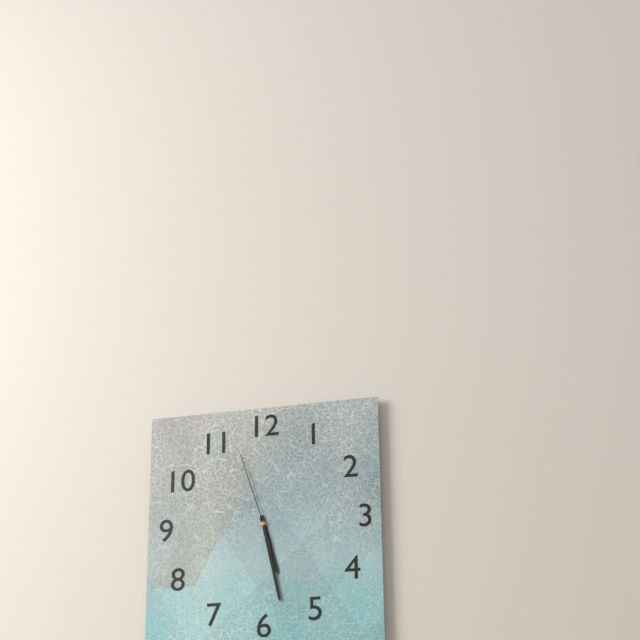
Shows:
{"hour": 5, "minute": 28, "second": 57}
